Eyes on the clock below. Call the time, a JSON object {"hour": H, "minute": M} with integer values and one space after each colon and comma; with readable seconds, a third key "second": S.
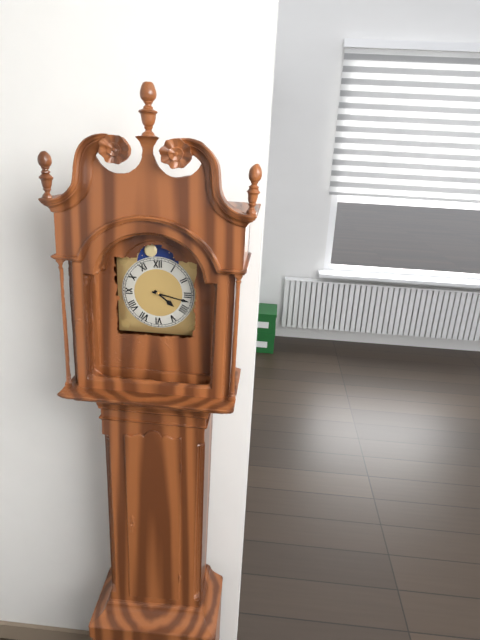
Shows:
{"hour": 4, "minute": 17}
